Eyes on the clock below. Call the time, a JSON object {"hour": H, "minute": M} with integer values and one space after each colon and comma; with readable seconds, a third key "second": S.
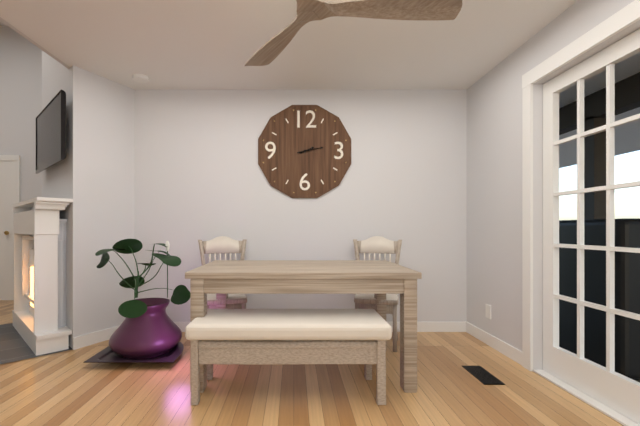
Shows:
{"hour": 2, "minute": 13}
